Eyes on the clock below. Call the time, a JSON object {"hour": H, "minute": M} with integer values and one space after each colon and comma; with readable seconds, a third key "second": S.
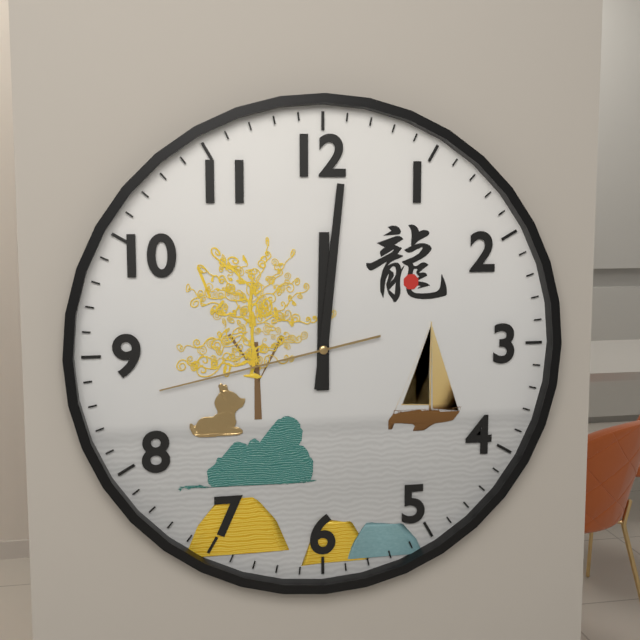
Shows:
{"hour": 12, "minute": 1, "second": 43}
